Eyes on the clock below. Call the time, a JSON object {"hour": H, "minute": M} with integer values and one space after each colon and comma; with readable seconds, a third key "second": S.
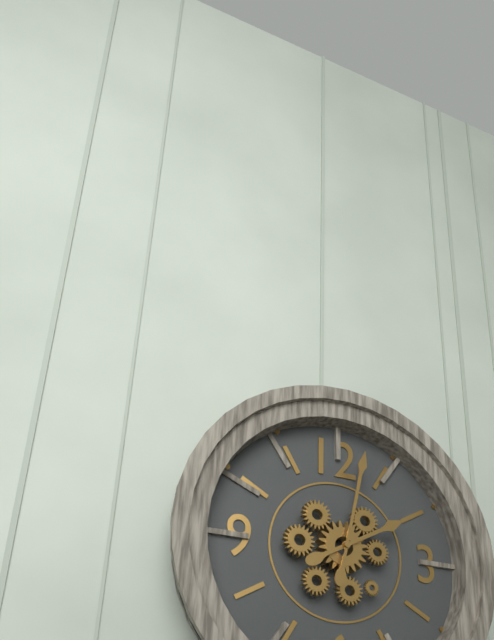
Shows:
{"hour": 2, "minute": 2}
